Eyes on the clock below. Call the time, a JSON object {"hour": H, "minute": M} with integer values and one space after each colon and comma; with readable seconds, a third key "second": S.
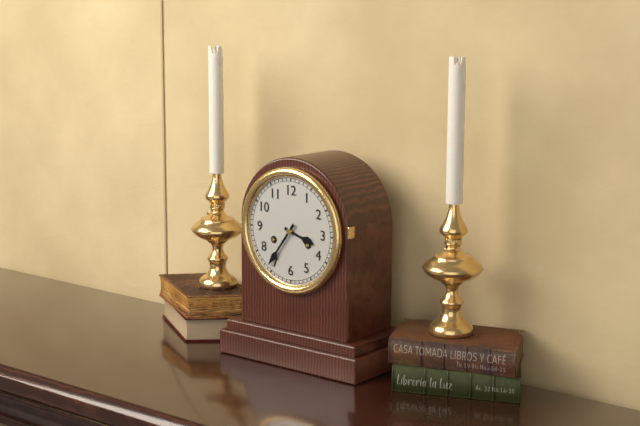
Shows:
{"hour": 3, "minute": 36}
